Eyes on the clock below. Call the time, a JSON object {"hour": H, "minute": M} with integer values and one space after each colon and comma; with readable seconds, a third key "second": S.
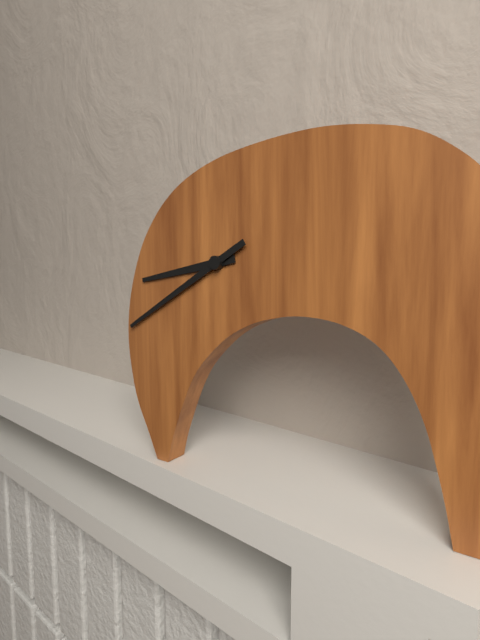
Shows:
{"hour": 8, "minute": 40}
